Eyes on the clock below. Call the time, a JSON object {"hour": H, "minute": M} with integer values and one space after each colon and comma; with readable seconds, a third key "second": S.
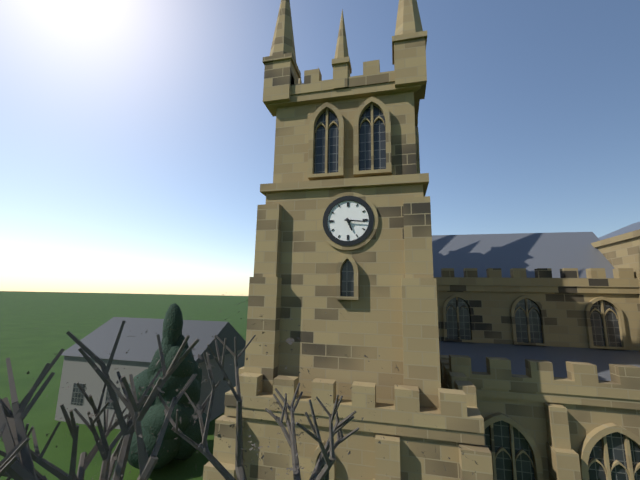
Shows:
{"hour": 5, "minute": 16}
